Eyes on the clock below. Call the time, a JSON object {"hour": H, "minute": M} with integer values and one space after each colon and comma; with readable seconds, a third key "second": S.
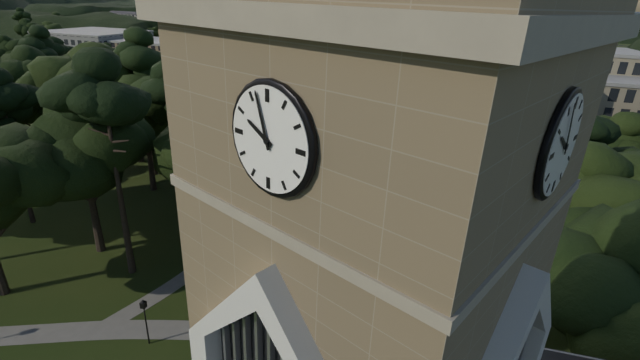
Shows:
{"hour": 9, "minute": 57}
